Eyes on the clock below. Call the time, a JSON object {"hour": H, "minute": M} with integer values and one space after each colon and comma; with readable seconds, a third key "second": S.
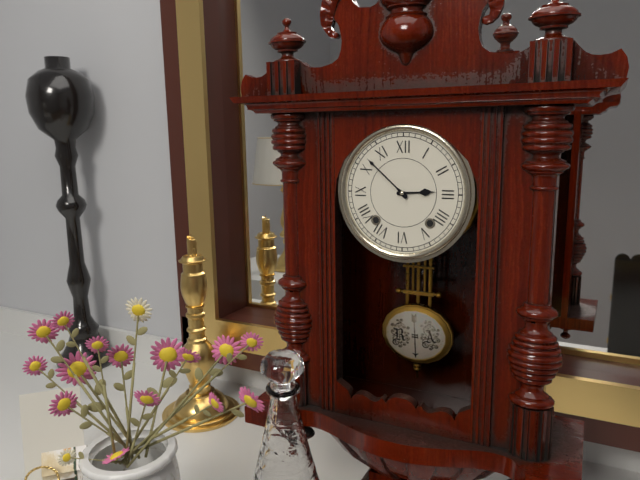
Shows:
{"hour": 2, "minute": 52}
